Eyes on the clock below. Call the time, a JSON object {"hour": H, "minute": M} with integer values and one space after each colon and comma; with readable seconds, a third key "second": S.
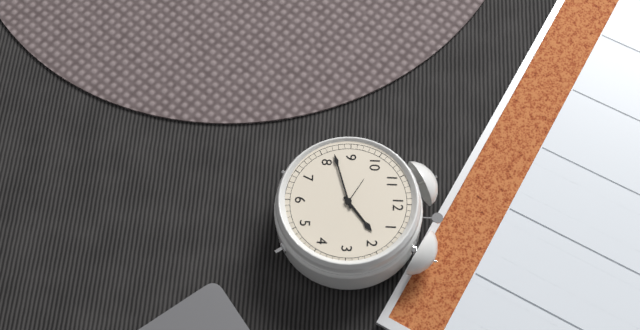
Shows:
{"hour": 1, "minute": 42}
